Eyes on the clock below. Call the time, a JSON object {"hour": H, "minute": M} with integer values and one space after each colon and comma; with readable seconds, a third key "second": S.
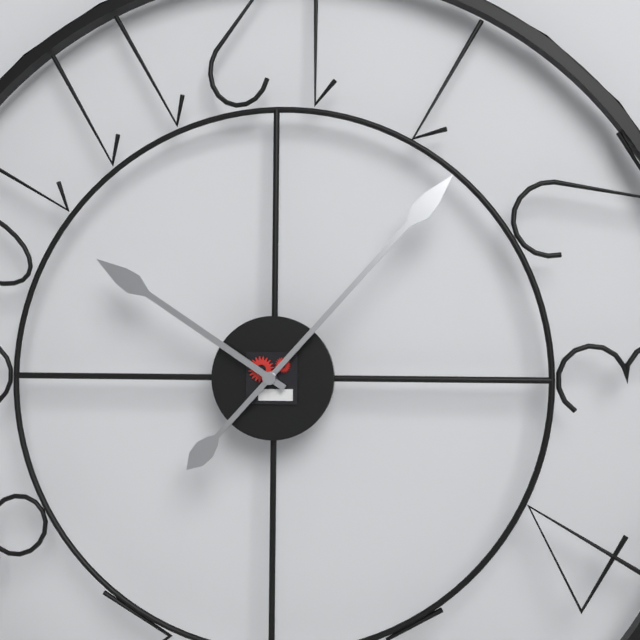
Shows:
{"hour": 10, "minute": 7}
